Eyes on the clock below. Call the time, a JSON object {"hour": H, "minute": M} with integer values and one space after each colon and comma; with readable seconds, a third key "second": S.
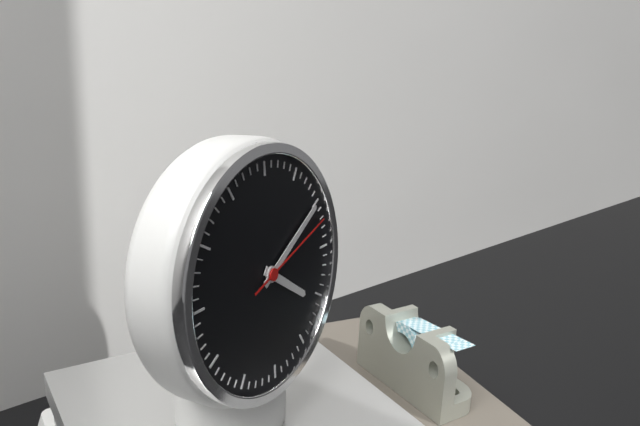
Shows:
{"hour": 4, "minute": 10, "second": 12}
